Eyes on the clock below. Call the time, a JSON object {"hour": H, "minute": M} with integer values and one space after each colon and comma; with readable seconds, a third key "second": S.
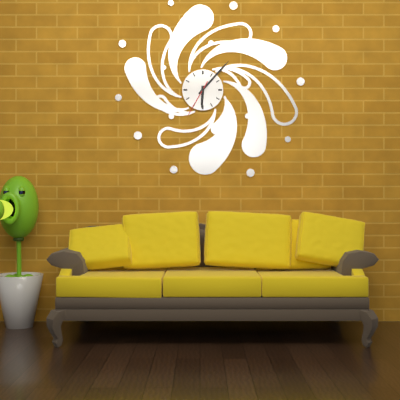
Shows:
{"hour": 6, "minute": 7}
